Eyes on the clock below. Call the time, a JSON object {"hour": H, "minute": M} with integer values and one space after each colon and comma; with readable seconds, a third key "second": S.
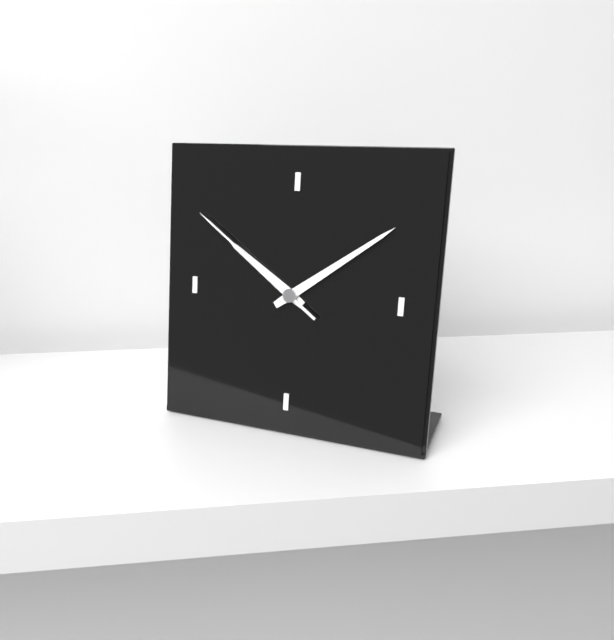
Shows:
{"hour": 10, "minute": 9, "second": 51}
